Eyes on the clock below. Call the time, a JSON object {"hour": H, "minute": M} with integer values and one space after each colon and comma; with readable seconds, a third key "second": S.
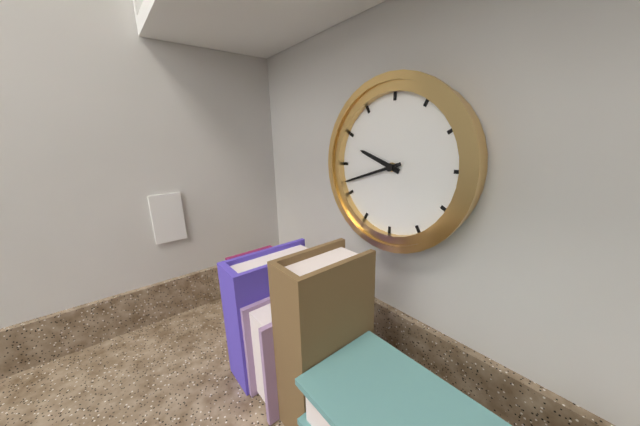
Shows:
{"hour": 9, "minute": 42}
